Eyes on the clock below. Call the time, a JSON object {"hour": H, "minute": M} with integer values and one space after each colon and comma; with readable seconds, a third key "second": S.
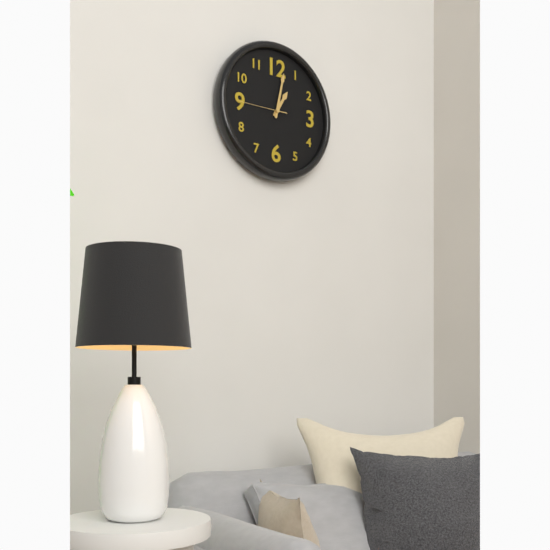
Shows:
{"hour": 1, "minute": 2, "second": 45}
